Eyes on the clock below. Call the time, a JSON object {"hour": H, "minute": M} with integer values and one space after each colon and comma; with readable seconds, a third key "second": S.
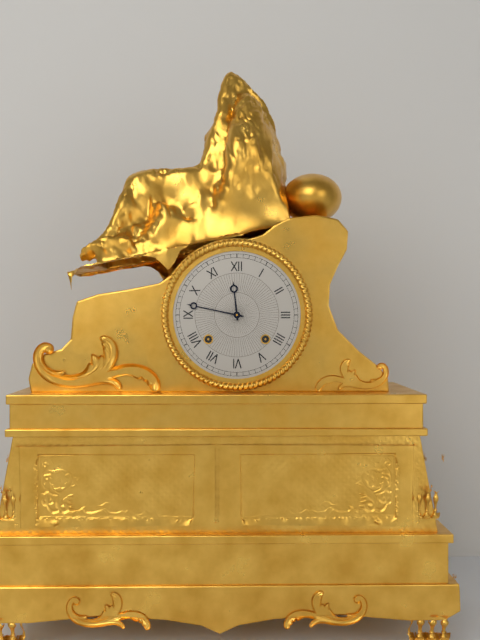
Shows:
{"hour": 11, "minute": 47}
